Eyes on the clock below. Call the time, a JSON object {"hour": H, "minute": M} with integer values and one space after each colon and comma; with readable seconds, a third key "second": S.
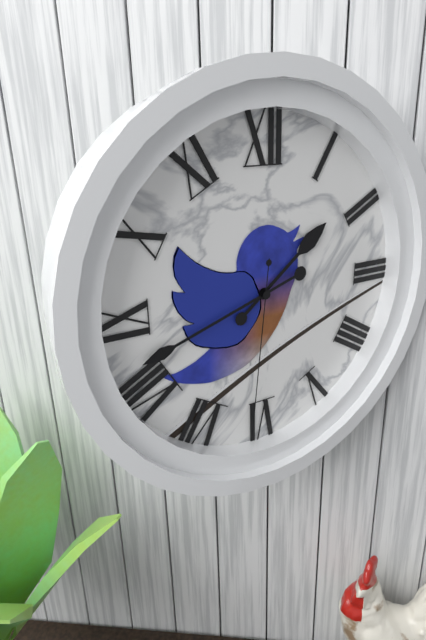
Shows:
{"hour": 1, "minute": 42, "second": 31}
